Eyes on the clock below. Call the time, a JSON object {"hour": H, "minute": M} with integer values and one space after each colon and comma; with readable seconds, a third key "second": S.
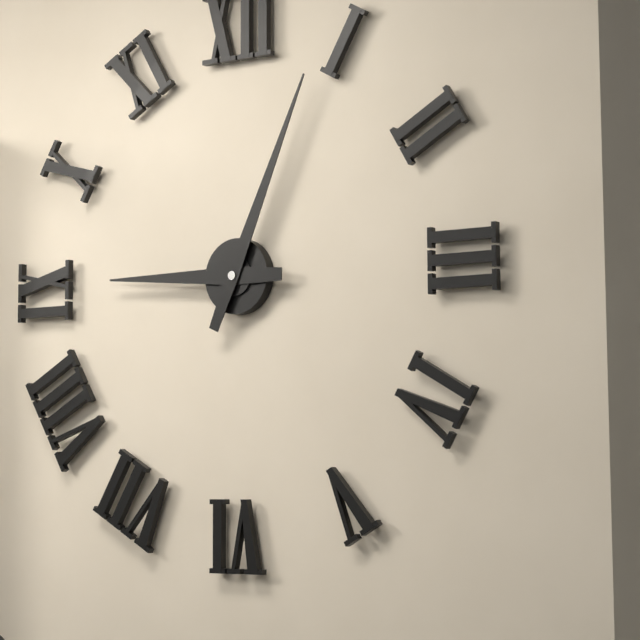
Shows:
{"hour": 9, "minute": 4}
